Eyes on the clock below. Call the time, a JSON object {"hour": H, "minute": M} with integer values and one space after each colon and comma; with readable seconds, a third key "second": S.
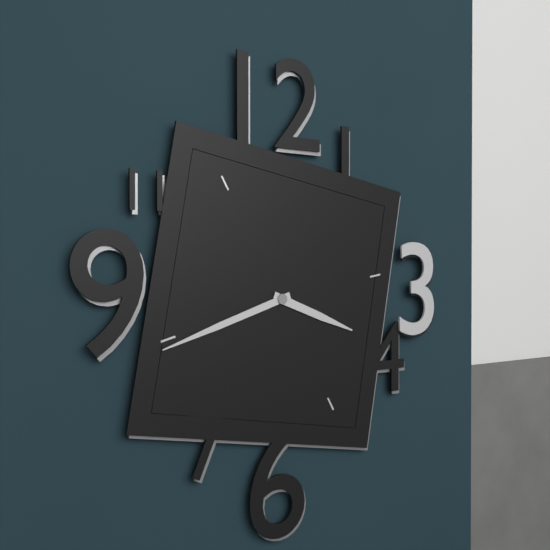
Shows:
{"hour": 3, "minute": 42}
